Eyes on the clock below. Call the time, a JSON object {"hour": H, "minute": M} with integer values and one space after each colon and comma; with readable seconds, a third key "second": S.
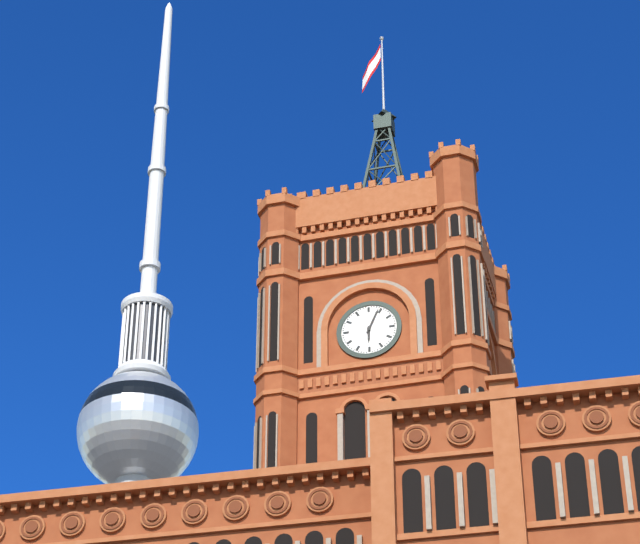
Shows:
{"hour": 6, "minute": 4}
